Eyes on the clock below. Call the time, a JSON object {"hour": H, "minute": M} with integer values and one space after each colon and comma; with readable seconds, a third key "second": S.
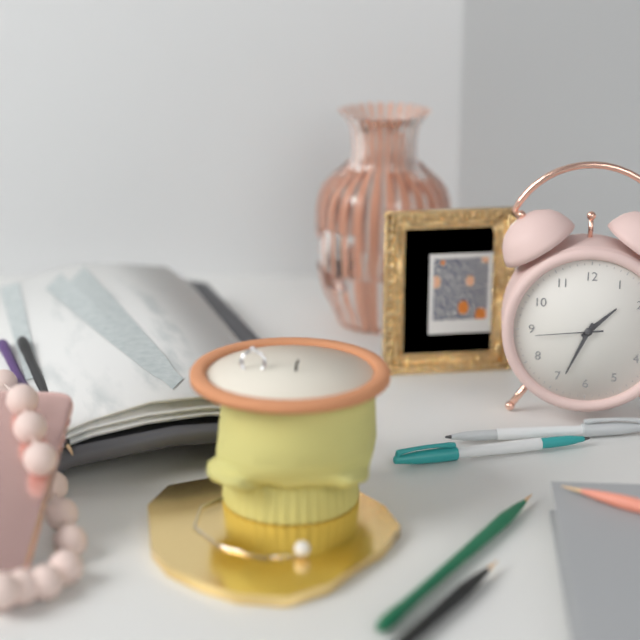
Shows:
{"hour": 1, "minute": 34, "second": 44}
